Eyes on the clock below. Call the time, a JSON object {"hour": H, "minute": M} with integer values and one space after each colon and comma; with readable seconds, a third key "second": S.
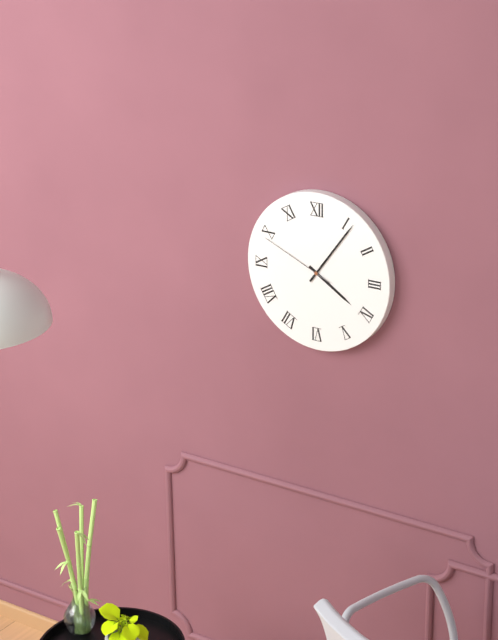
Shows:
{"hour": 4, "minute": 6, "second": 49}
